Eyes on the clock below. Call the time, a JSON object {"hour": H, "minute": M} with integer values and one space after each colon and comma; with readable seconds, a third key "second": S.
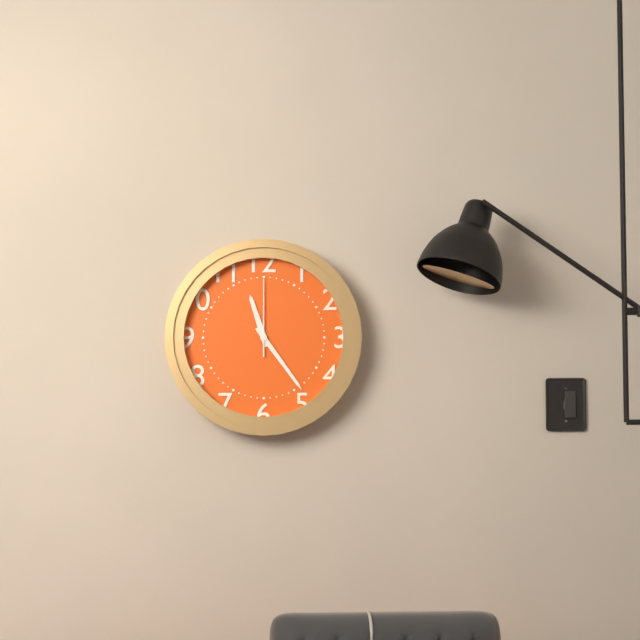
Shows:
{"hour": 11, "minute": 24, "second": 0}
